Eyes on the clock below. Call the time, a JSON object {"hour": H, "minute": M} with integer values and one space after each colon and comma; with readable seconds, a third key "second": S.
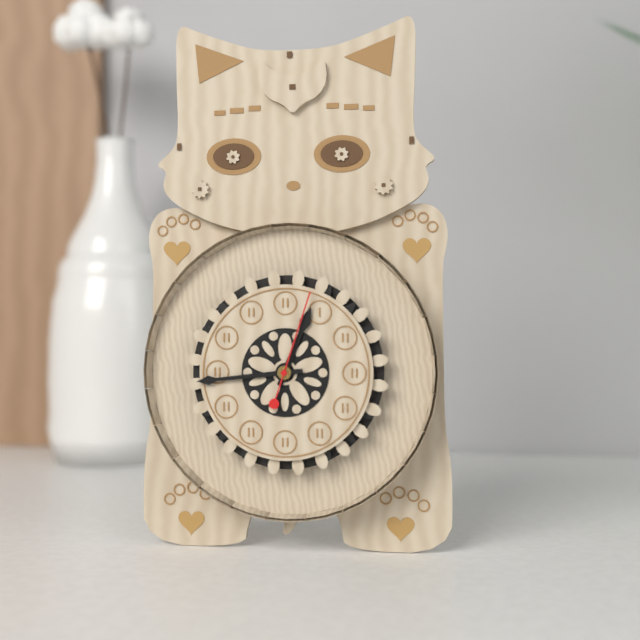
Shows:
{"hour": 12, "minute": 44, "second": 3}
